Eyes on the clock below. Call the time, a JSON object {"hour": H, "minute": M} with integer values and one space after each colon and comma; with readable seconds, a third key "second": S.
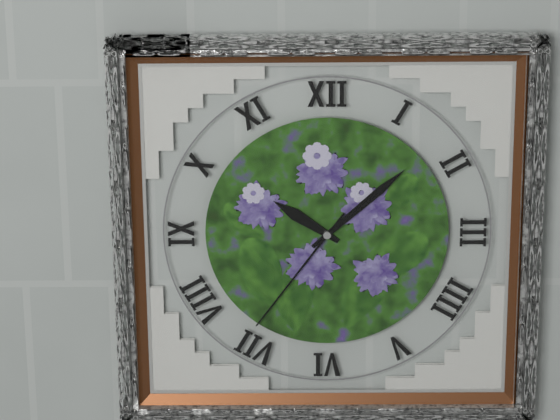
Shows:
{"hour": 10, "minute": 8, "second": 36}
